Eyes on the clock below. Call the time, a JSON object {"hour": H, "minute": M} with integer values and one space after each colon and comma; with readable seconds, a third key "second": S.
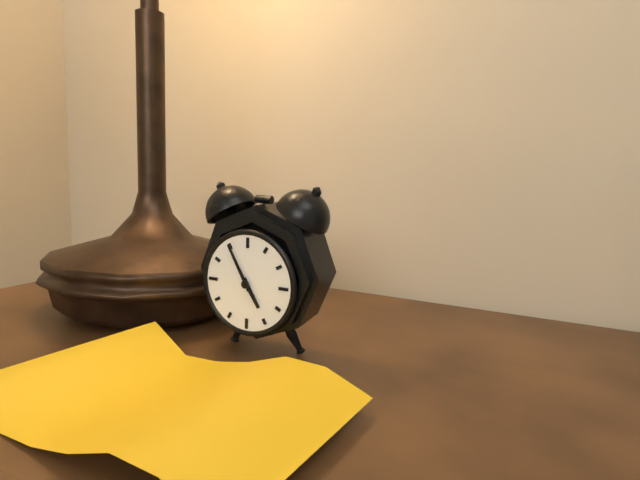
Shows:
{"hour": 4, "minute": 55}
